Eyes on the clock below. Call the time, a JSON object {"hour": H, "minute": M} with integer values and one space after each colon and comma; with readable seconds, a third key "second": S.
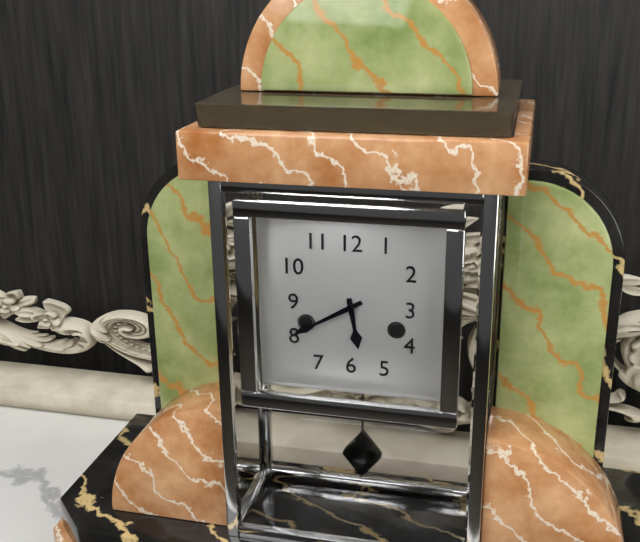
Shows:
{"hour": 5, "minute": 40}
